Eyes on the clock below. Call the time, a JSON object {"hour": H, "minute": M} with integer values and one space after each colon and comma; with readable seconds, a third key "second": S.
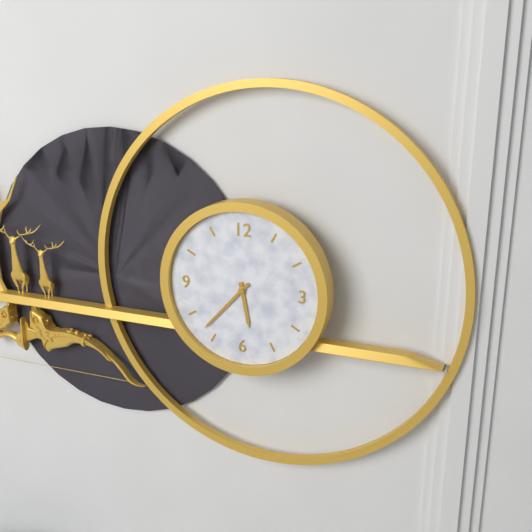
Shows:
{"hour": 5, "minute": 37}
